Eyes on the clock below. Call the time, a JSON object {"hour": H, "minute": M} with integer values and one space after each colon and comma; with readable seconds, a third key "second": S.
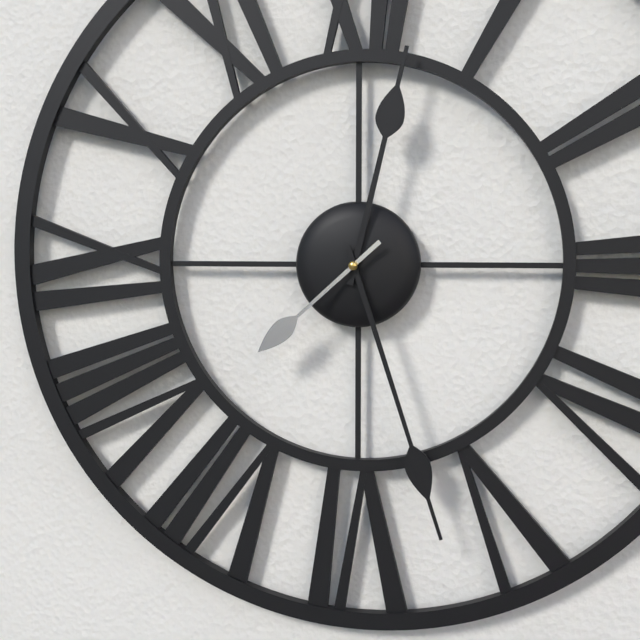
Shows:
{"hour": 12, "minute": 27, "second": 38}
